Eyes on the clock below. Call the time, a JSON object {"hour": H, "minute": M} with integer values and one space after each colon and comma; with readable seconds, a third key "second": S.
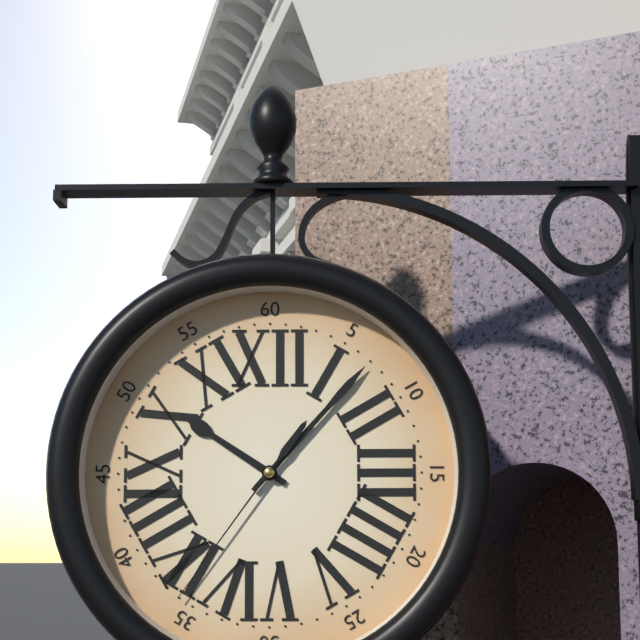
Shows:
{"hour": 10, "minute": 7, "second": 36}
